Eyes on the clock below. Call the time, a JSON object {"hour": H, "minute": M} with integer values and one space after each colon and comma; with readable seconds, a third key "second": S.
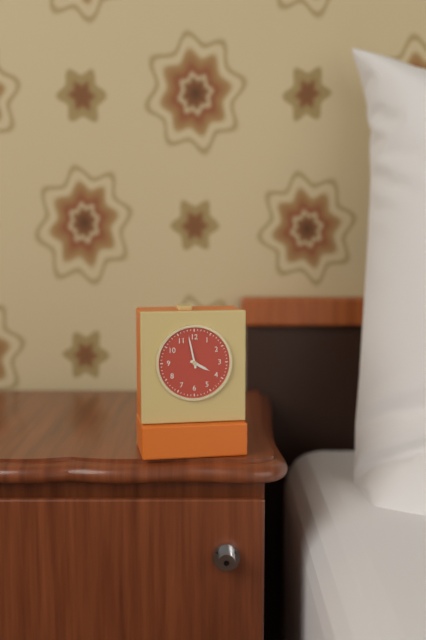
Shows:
{"hour": 3, "minute": 58}
